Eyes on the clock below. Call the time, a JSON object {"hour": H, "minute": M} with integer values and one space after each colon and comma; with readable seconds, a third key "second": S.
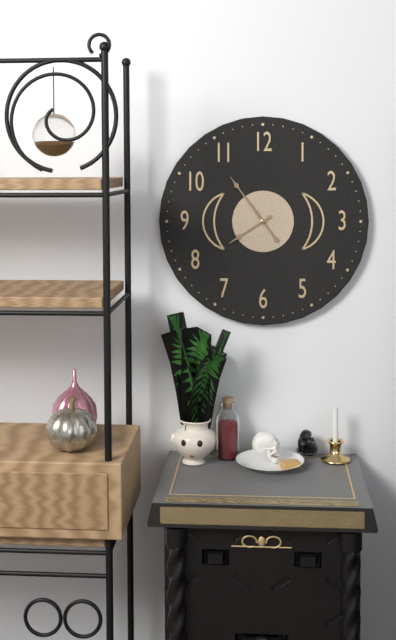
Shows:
{"hour": 7, "minute": 54}
